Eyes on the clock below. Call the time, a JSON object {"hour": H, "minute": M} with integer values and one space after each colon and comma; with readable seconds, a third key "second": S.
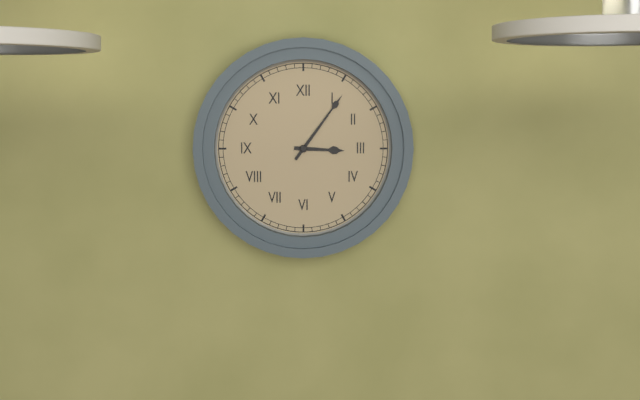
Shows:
{"hour": 3, "minute": 6}
